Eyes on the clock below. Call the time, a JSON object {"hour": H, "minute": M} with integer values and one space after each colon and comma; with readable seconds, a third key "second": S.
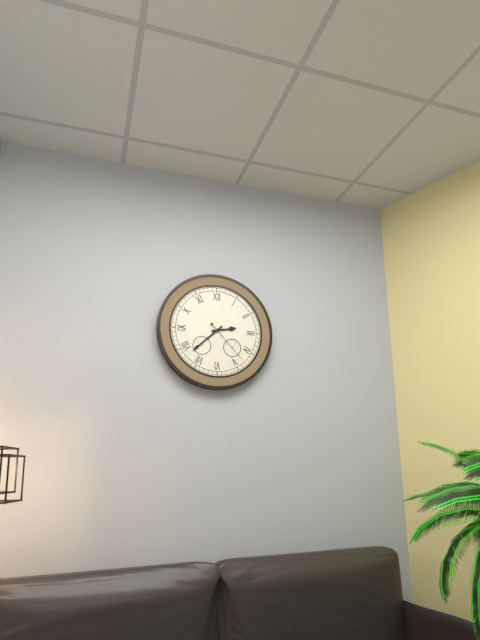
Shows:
{"hour": 2, "minute": 38}
